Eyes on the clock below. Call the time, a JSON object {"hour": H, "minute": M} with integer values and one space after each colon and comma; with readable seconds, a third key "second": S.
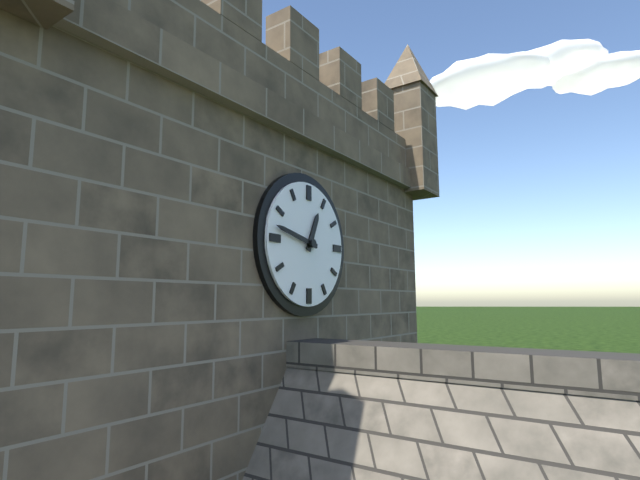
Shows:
{"hour": 12, "minute": 47}
